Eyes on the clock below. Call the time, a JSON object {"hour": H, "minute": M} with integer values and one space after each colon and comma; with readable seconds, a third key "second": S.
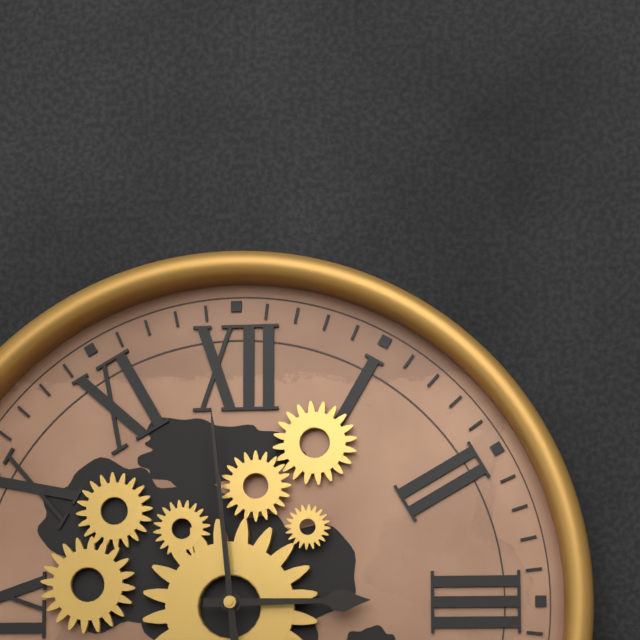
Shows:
{"hour": 2, "minute": 59}
